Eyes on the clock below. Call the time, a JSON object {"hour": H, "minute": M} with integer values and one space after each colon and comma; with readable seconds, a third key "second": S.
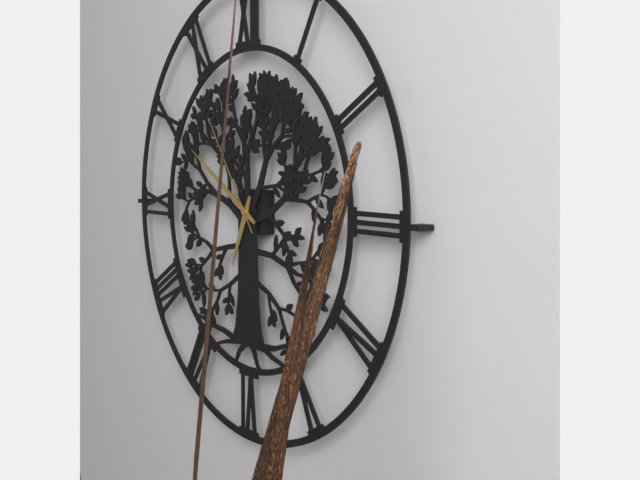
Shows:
{"hour": 6, "minute": 50, "second": 54}
